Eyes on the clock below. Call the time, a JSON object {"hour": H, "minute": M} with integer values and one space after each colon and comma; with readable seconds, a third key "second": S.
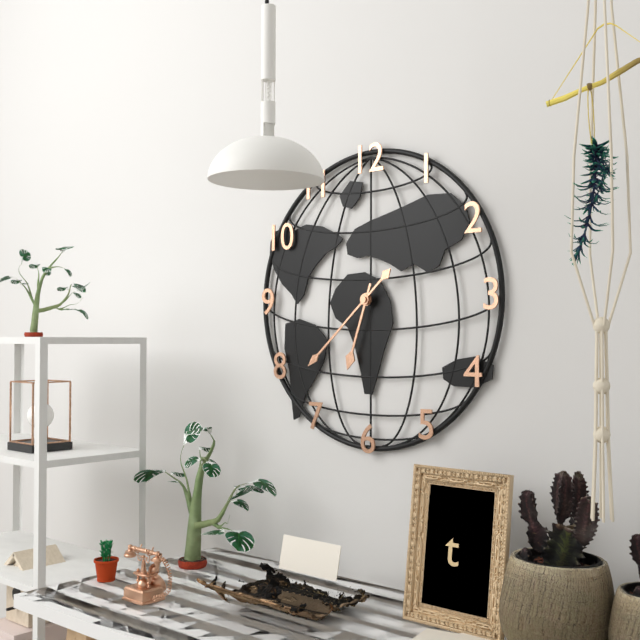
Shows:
{"hour": 6, "minute": 38}
